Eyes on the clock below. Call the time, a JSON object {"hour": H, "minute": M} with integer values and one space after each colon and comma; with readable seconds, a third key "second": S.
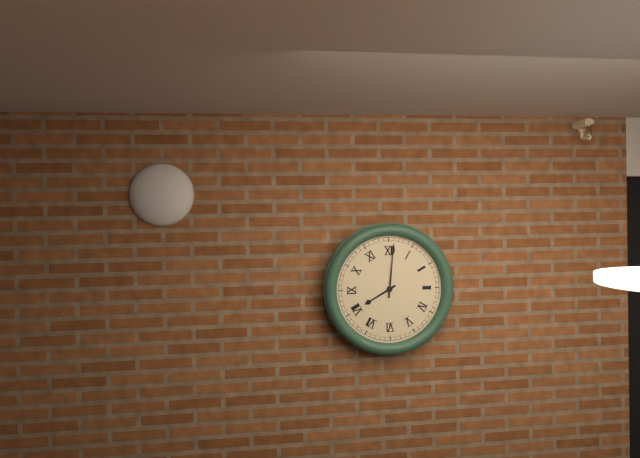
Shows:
{"hour": 8, "minute": 1}
